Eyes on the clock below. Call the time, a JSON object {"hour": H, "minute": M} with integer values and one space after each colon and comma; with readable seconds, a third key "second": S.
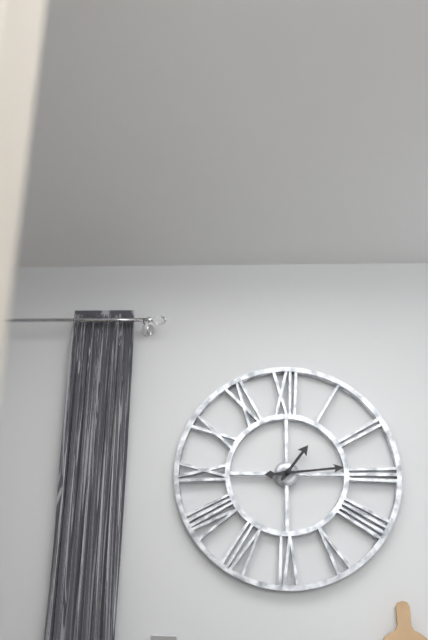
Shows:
{"hour": 1, "minute": 14}
